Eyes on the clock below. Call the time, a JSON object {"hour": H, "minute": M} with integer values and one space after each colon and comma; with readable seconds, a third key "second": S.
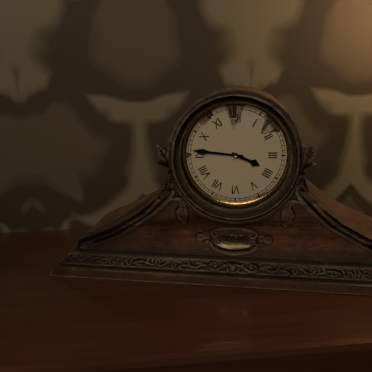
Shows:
{"hour": 3, "minute": 46}
